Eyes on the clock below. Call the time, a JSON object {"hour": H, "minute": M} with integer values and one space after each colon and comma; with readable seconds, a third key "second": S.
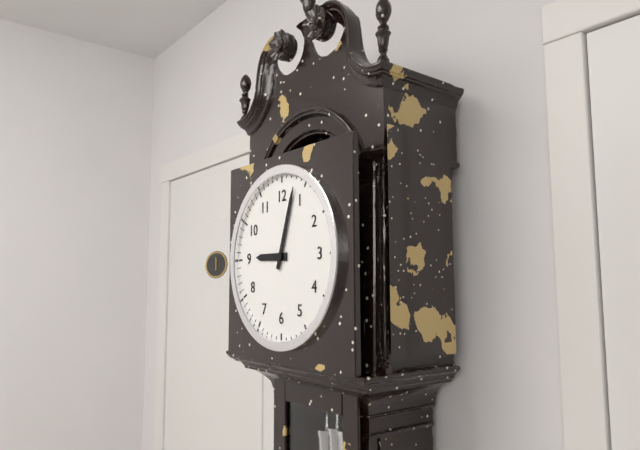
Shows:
{"hour": 9, "minute": 3}
